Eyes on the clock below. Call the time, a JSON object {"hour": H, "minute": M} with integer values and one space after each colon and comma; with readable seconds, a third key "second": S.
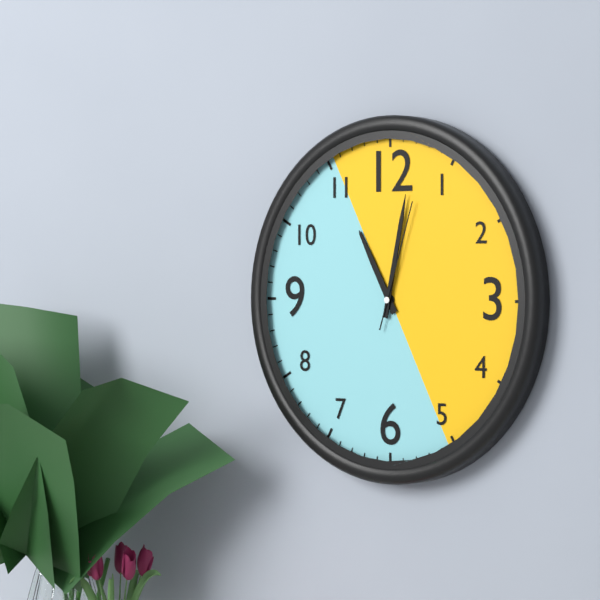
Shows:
{"hour": 11, "minute": 2, "second": 3}
